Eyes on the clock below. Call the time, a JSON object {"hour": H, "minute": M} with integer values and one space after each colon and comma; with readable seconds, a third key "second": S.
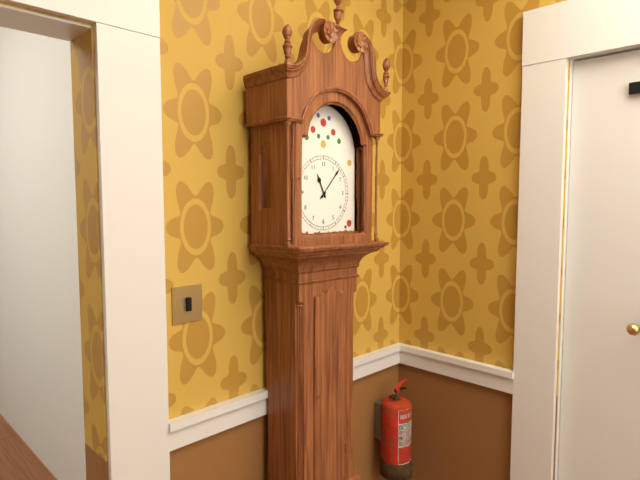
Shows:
{"hour": 11, "minute": 7}
